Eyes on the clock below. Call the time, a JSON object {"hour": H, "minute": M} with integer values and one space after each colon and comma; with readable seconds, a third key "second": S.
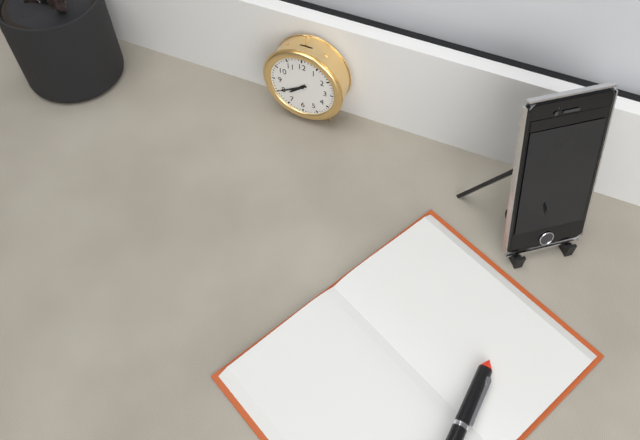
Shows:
{"hour": 7, "minute": 40}
